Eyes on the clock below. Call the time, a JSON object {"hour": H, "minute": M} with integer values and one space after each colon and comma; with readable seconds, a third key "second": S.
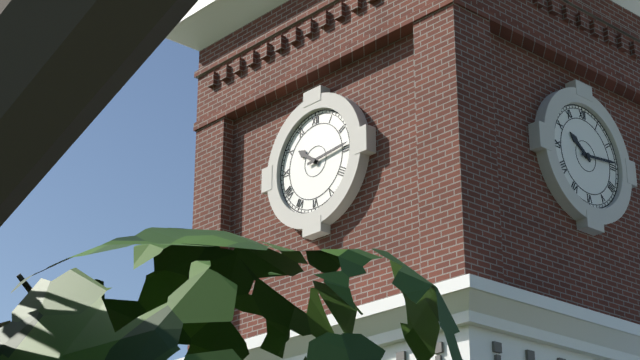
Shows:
{"hour": 10, "minute": 14}
